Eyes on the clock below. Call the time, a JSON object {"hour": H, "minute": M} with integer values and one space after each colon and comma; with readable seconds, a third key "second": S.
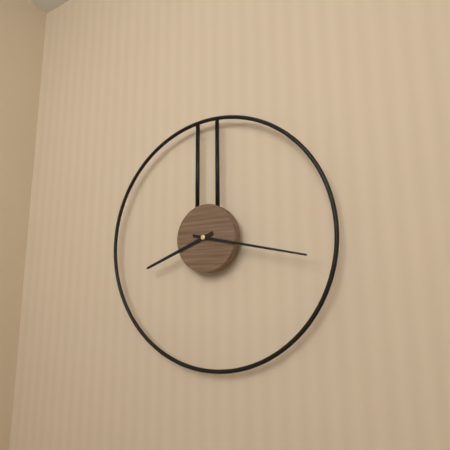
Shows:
{"hour": 8, "minute": 17}
